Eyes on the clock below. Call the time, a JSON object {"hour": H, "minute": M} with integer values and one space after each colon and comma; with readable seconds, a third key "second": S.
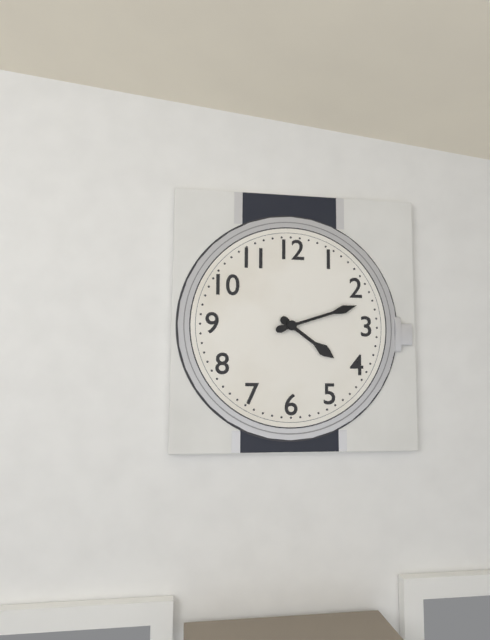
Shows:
{"hour": 4, "minute": 12}
